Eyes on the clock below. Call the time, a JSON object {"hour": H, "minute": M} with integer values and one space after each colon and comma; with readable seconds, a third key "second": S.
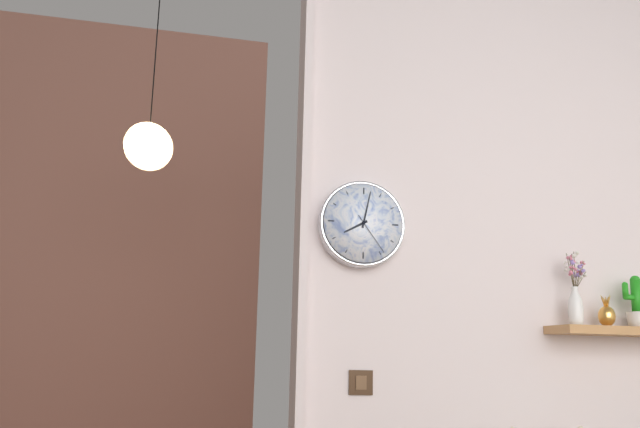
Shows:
{"hour": 8, "minute": 2}
